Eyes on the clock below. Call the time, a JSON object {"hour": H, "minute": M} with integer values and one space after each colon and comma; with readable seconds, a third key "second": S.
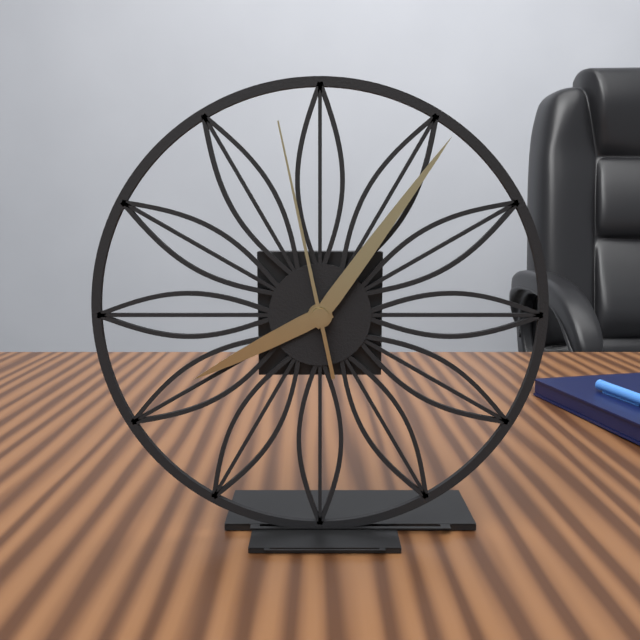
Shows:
{"hour": 8, "minute": 6, "second": 58}
